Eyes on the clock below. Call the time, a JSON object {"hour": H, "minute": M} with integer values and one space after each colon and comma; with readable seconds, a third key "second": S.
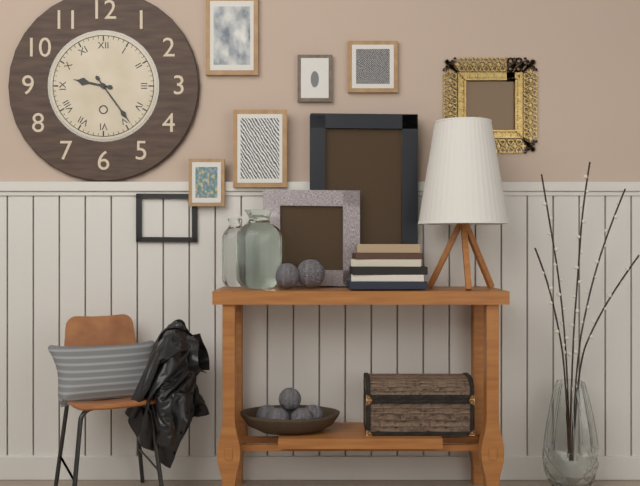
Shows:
{"hour": 9, "minute": 24}
